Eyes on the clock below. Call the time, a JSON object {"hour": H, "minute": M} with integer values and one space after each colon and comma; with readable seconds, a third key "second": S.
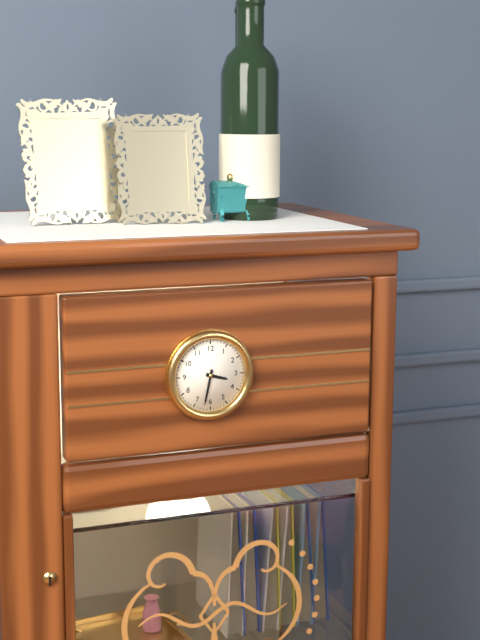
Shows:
{"hour": 3, "minute": 32}
